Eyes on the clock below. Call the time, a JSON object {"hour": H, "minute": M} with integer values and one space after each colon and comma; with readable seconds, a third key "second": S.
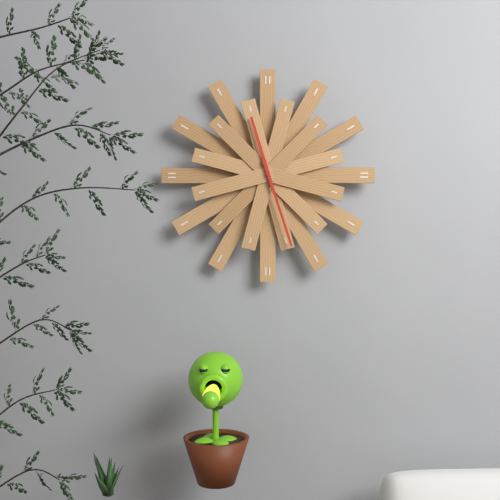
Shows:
{"hour": 11, "minute": 27}
